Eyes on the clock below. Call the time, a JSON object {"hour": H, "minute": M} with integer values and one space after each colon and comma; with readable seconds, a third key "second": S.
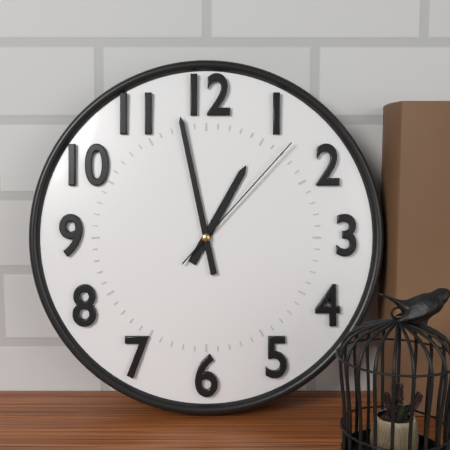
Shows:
{"hour": 12, "minute": 58, "second": 7}
